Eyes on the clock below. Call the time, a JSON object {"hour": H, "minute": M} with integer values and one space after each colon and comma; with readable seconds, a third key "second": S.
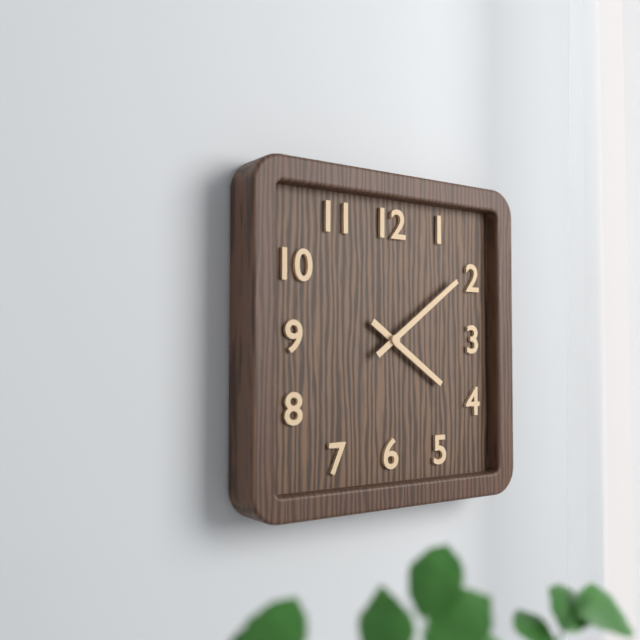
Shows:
{"hour": 4, "minute": 9}
